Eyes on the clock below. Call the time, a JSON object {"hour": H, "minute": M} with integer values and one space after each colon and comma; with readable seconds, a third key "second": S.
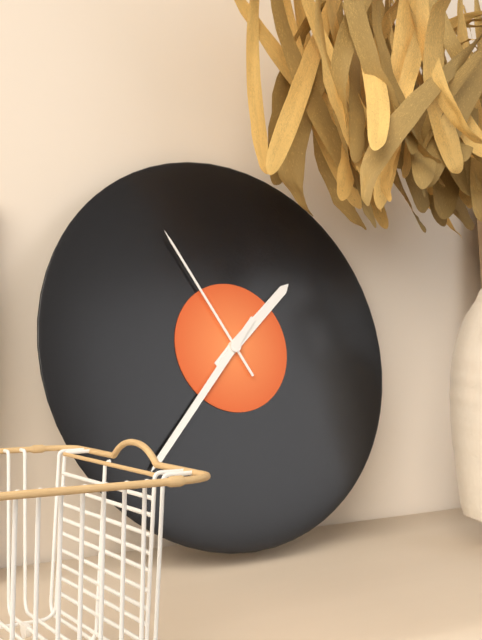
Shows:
{"hour": 1, "minute": 37, "second": 55}
